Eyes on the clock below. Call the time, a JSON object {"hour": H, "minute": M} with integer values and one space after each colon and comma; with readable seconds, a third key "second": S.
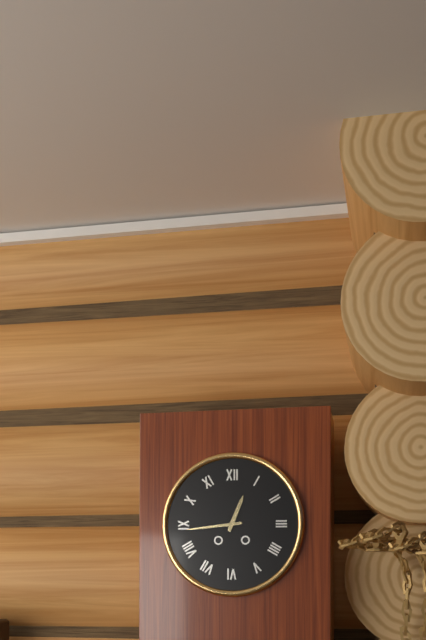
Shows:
{"hour": 12, "minute": 44}
